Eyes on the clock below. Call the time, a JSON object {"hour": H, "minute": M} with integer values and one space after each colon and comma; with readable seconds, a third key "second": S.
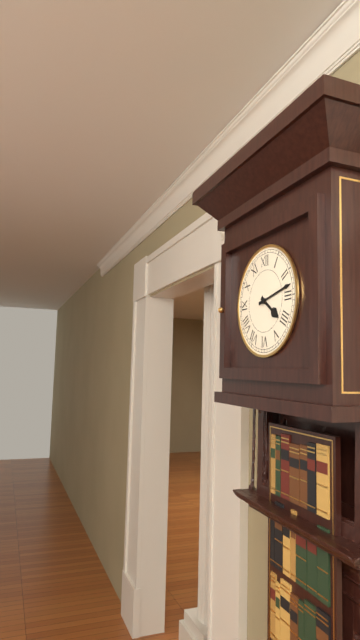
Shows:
{"hour": 4, "minute": 13}
